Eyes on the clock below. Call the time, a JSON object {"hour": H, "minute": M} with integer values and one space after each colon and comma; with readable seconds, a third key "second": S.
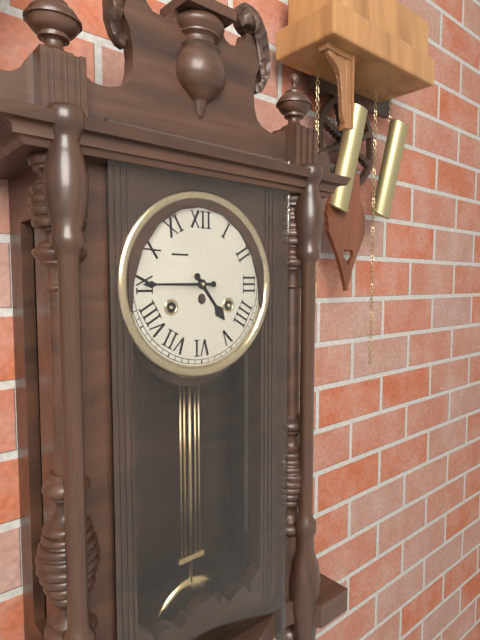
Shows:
{"hour": 4, "minute": 45}
